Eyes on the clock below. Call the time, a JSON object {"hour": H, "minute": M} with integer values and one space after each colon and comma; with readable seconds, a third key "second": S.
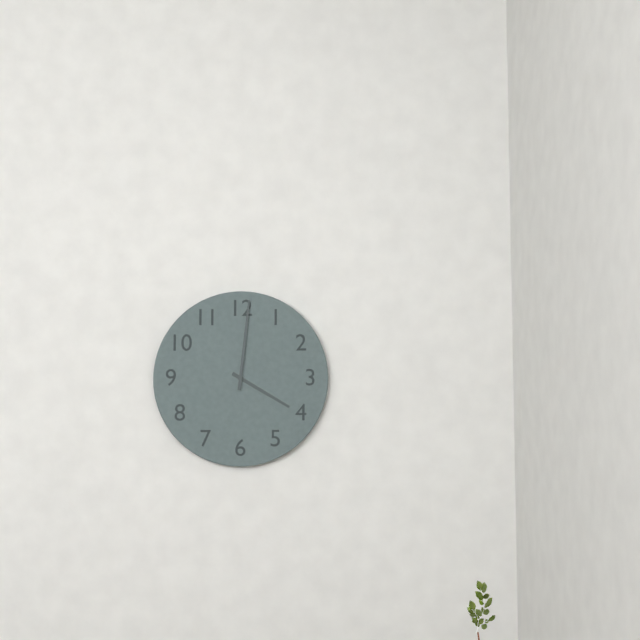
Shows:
{"hour": 4, "minute": 1}
